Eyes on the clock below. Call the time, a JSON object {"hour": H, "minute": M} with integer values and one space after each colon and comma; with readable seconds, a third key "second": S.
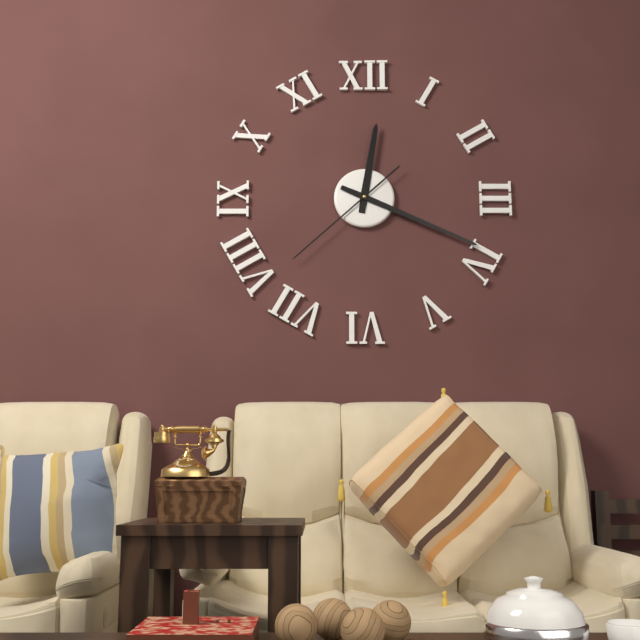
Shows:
{"hour": 12, "minute": 19, "second": 38}
